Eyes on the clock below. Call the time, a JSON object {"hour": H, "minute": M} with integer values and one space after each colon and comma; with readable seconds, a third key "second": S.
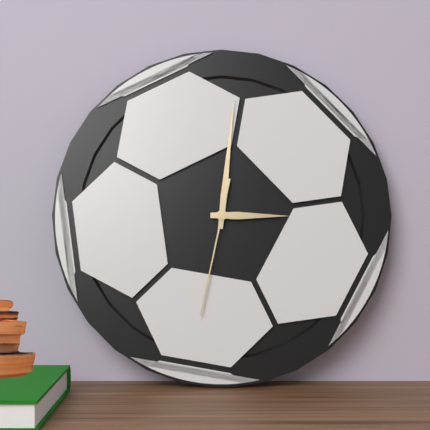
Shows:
{"hour": 3, "minute": 1, "second": 32}
